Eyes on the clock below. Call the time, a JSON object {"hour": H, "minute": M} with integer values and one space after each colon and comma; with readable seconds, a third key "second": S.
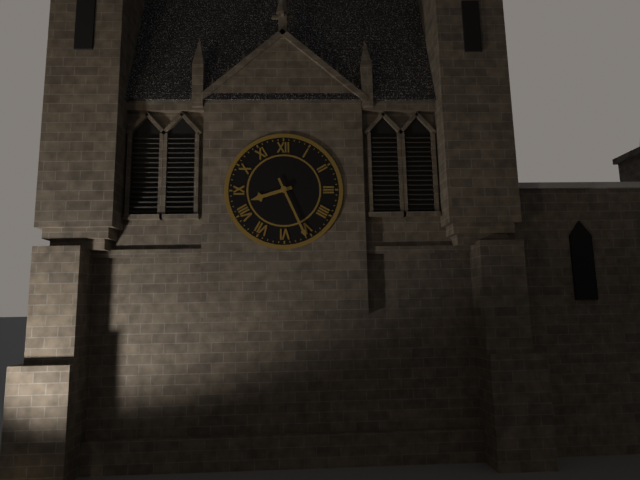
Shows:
{"hour": 8, "minute": 26}
